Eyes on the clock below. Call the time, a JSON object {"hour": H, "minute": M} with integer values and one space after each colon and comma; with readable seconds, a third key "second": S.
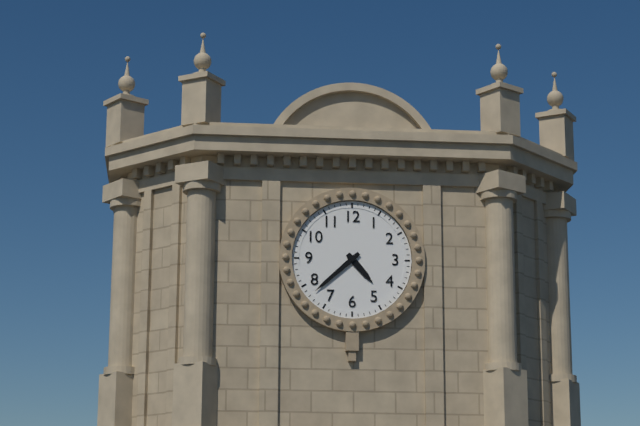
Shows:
{"hour": 4, "minute": 38}
